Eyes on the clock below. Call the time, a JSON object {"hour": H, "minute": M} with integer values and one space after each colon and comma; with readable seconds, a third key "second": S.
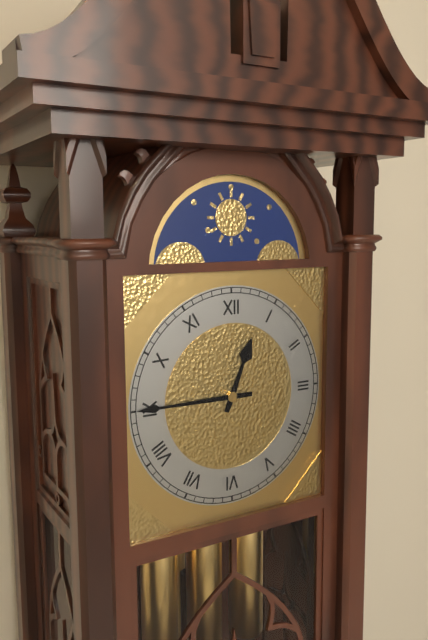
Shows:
{"hour": 12, "minute": 45}
